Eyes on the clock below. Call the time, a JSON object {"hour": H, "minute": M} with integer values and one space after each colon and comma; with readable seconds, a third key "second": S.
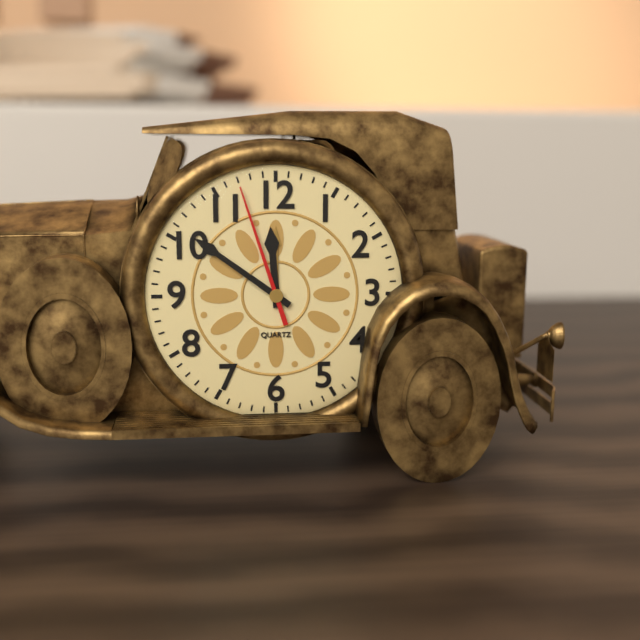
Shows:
{"hour": 11, "minute": 51, "second": 57}
